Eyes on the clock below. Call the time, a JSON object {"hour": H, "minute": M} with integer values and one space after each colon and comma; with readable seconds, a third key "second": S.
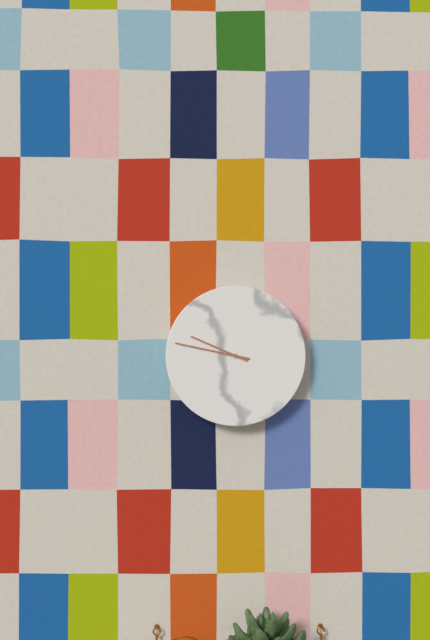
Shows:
{"hour": 9, "minute": 47}
